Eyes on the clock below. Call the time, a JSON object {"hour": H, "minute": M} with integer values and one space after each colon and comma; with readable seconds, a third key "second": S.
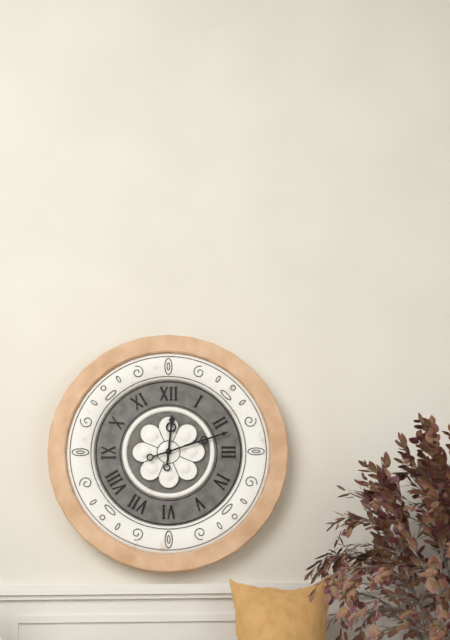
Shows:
{"hour": 12, "minute": 12}
